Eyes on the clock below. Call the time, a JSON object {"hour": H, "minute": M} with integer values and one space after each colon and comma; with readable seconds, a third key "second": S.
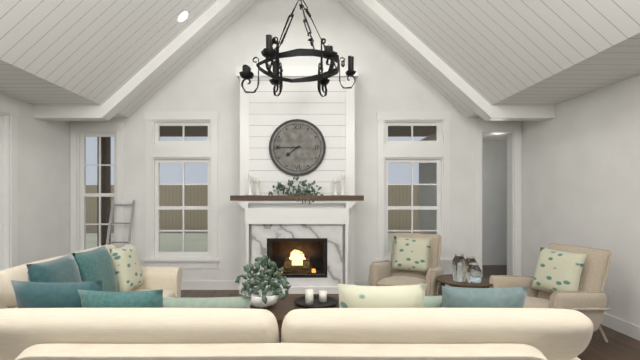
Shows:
{"hour": 7, "minute": 45}
